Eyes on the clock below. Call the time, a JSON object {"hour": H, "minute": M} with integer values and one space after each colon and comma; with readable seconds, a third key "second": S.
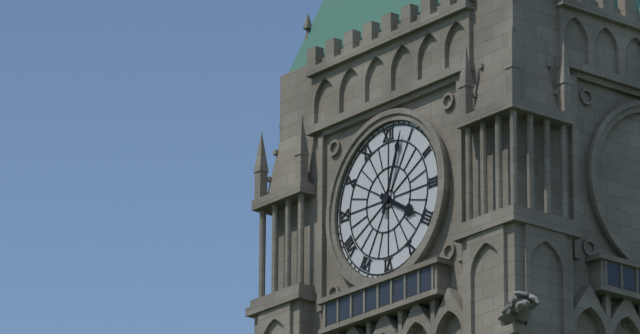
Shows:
{"hour": 4, "minute": 3}
